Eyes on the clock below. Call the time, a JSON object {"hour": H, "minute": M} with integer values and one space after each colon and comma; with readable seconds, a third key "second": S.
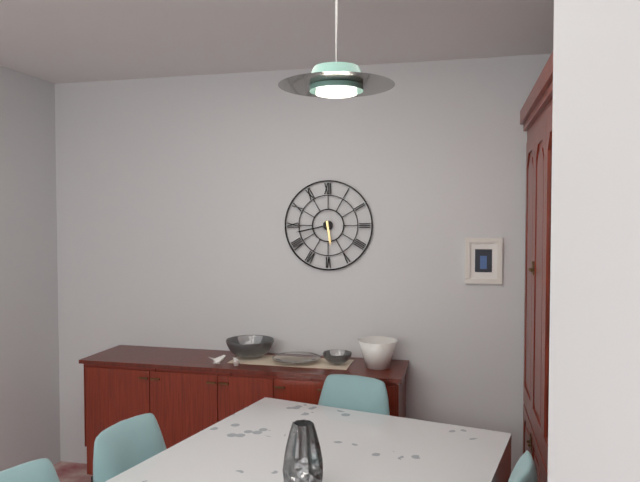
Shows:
{"hour": 5, "minute": 43}
